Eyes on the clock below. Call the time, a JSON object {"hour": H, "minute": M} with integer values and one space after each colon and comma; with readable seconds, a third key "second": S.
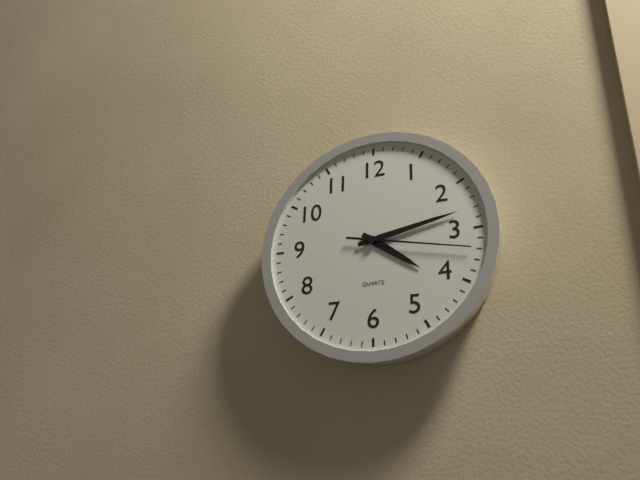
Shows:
{"hour": 4, "minute": 13, "second": 17}
